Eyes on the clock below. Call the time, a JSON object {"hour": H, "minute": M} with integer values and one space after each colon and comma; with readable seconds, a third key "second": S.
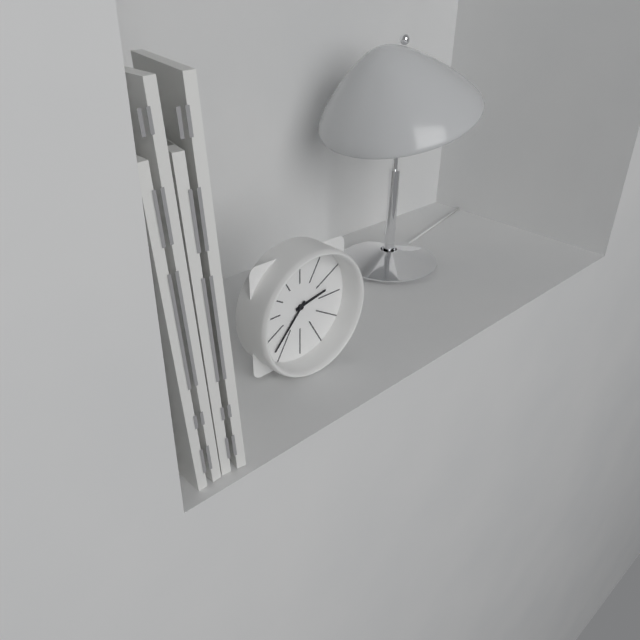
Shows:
{"hour": 2, "minute": 37}
